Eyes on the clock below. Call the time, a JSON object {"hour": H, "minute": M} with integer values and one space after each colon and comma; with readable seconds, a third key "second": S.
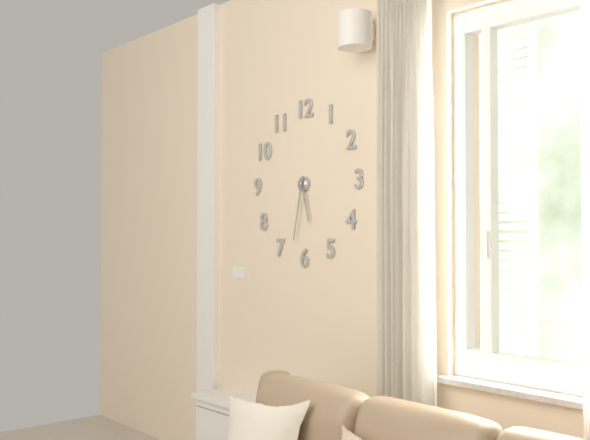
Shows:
{"hour": 5, "minute": 32}
